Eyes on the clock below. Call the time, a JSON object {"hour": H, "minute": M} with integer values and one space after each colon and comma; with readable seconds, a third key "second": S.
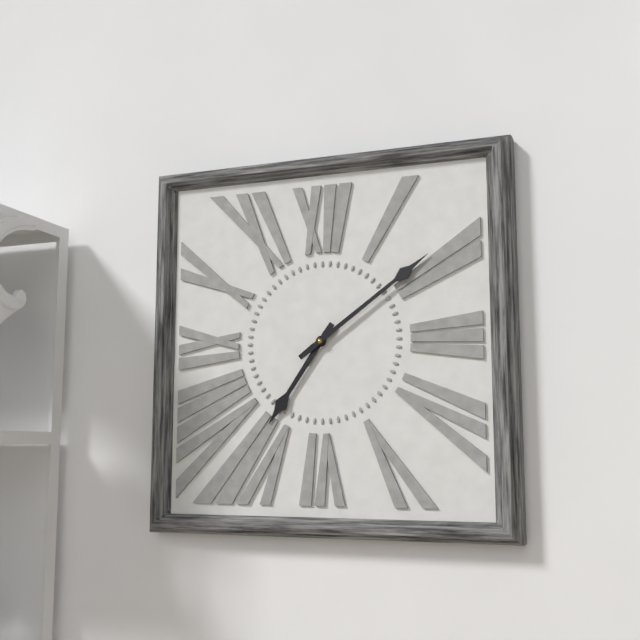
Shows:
{"hour": 7, "minute": 9}
